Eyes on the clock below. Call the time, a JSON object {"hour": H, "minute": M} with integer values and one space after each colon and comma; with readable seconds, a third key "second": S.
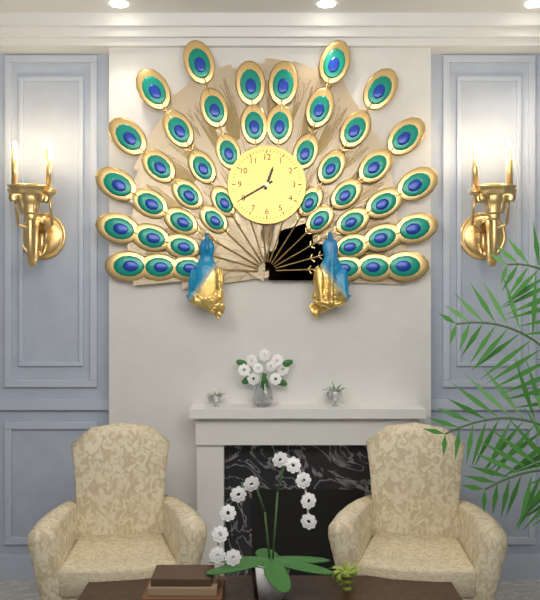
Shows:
{"hour": 12, "minute": 40}
